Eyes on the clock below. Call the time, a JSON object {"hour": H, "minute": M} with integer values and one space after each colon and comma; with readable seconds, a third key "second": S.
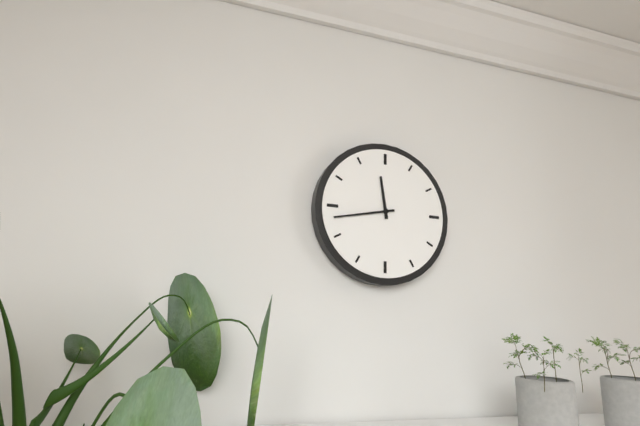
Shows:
{"hour": 11, "minute": 43}
